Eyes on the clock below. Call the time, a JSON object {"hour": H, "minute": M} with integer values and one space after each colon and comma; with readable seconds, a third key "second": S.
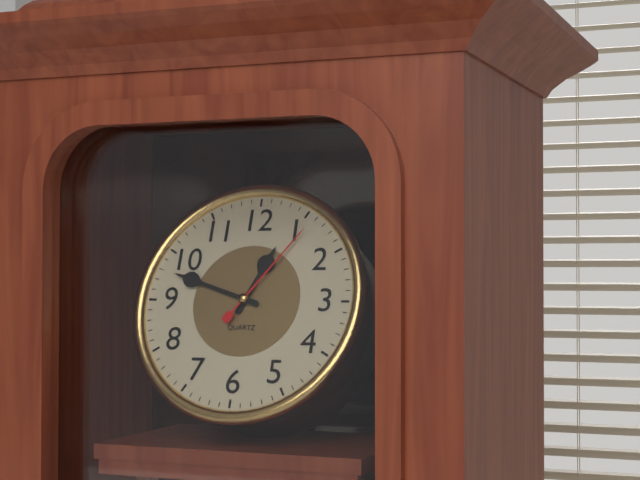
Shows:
{"hour": 12, "minute": 48, "second": 6}
